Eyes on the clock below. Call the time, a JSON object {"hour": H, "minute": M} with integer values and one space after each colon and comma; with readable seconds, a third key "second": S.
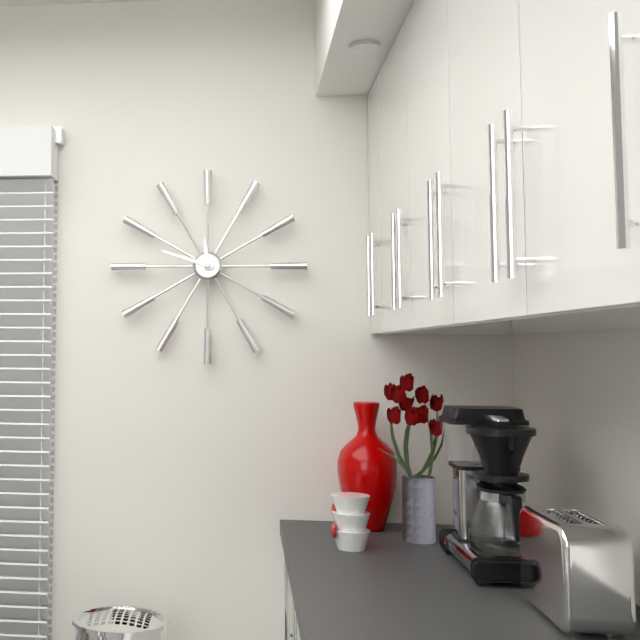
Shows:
{"hour": 11, "minute": 48}
